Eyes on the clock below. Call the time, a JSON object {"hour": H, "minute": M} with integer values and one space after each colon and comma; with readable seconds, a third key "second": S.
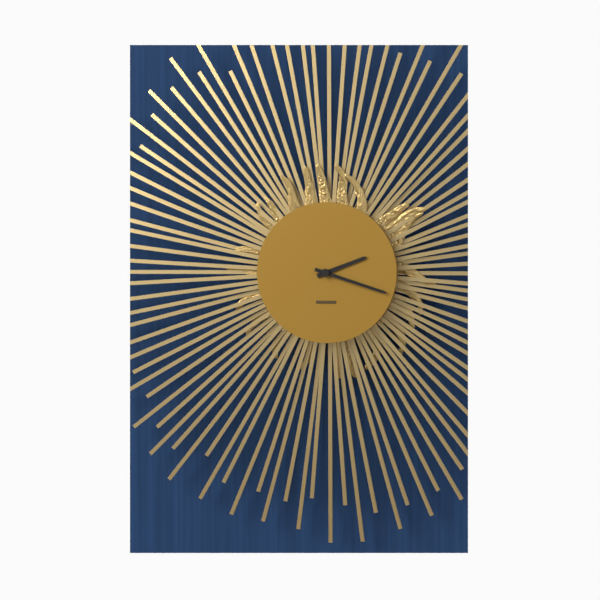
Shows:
{"hour": 2, "minute": 18}
